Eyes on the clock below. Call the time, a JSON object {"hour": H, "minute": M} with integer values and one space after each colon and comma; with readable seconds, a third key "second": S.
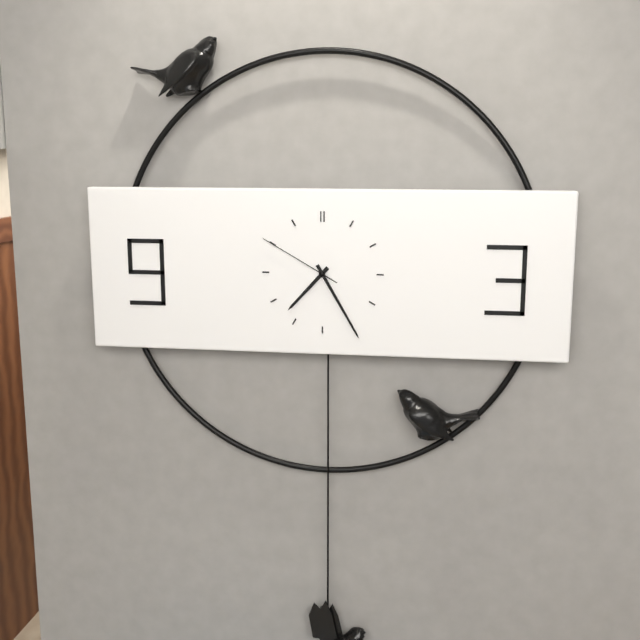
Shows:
{"hour": 7, "minute": 25, "second": 50}
